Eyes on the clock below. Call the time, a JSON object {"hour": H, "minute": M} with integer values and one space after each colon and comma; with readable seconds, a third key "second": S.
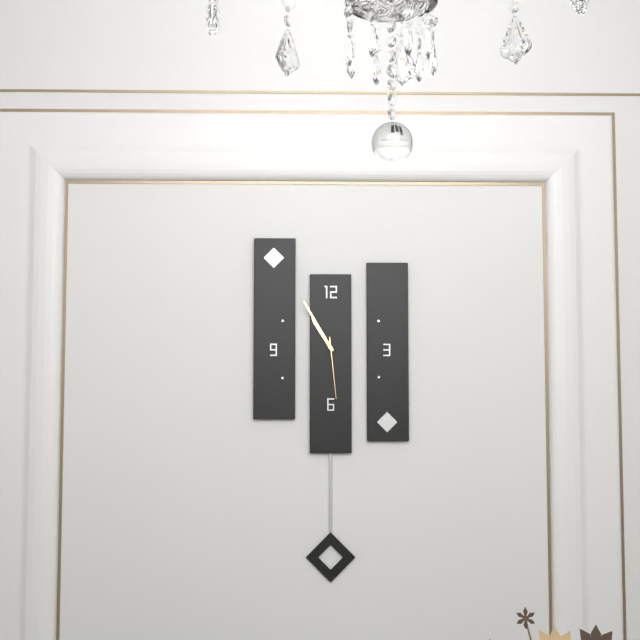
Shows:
{"hour": 10, "minute": 55, "second": 29}
